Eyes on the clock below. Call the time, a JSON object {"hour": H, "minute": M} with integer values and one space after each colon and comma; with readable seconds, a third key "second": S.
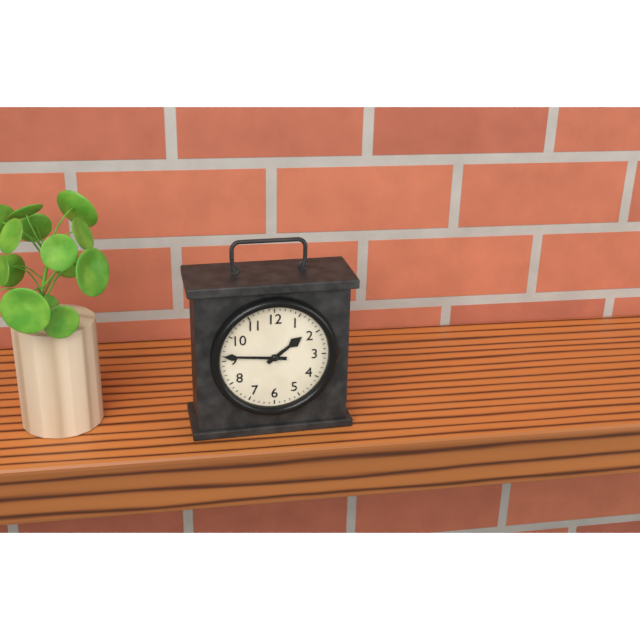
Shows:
{"hour": 1, "minute": 46}
